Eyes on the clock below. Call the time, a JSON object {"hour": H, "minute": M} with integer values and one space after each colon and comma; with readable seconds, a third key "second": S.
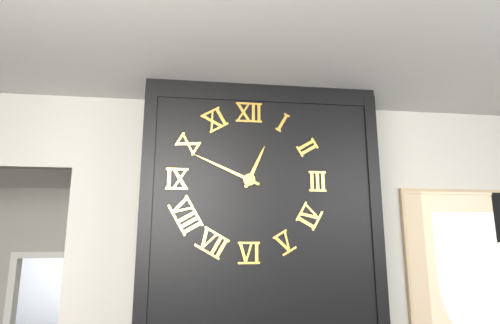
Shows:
{"hour": 12, "minute": 49}
